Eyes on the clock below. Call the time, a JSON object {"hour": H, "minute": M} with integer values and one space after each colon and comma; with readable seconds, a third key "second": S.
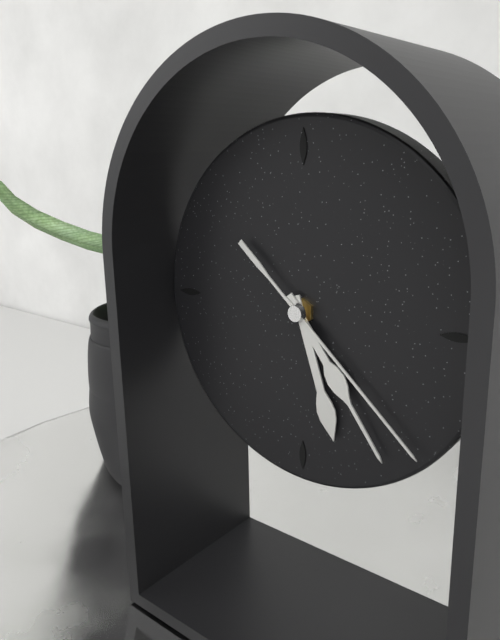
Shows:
{"hour": 5, "minute": 24, "second": 22}
